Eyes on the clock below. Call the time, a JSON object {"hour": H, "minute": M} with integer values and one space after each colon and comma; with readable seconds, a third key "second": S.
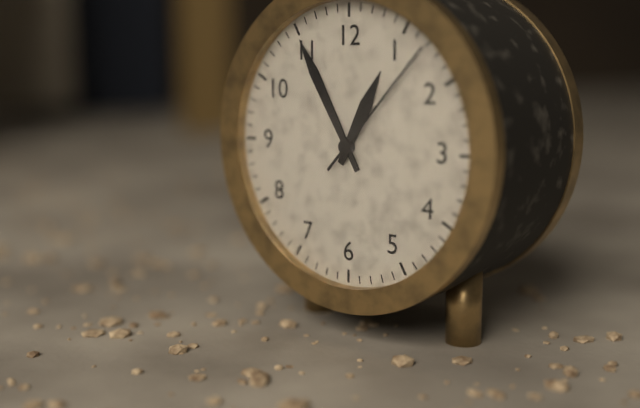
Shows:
{"hour": 12, "minute": 55, "second": 7}
